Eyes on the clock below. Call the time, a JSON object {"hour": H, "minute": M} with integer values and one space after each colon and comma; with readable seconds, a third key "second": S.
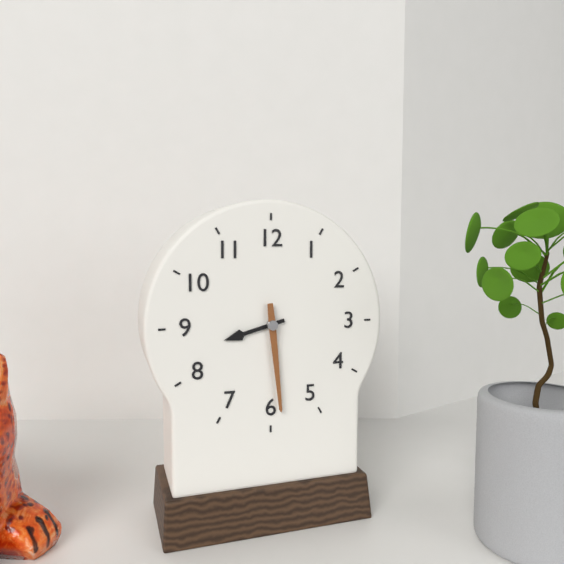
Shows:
{"hour": 8, "minute": 29}
